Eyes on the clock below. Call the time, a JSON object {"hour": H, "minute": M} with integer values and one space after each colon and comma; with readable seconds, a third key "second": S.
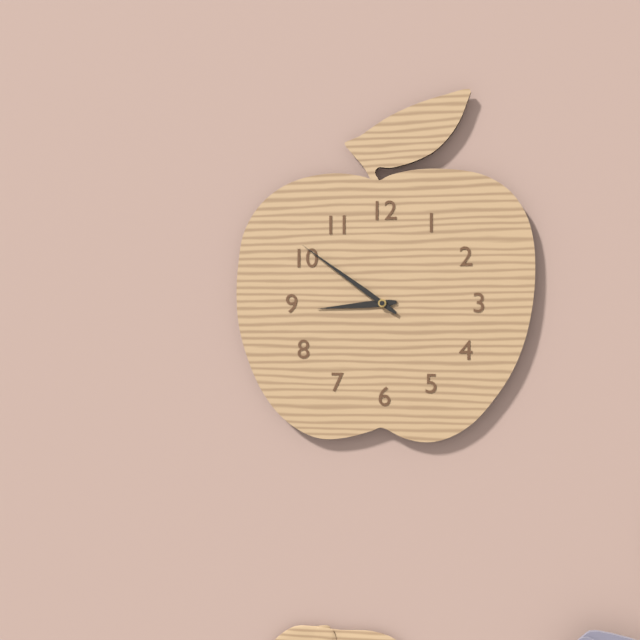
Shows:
{"hour": 8, "minute": 51}
